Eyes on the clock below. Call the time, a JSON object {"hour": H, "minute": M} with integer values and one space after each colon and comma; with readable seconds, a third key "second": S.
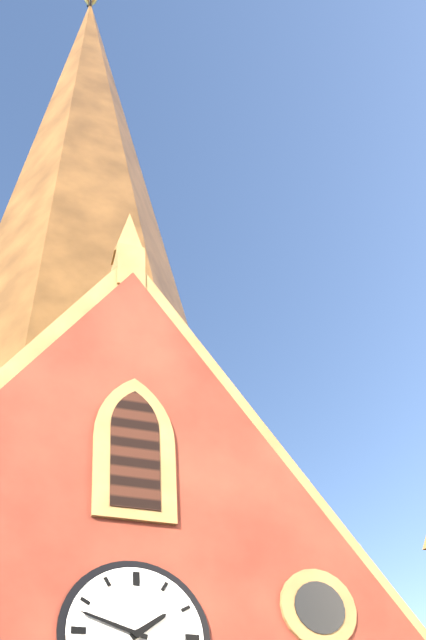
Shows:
{"hour": 1, "minute": 48}
